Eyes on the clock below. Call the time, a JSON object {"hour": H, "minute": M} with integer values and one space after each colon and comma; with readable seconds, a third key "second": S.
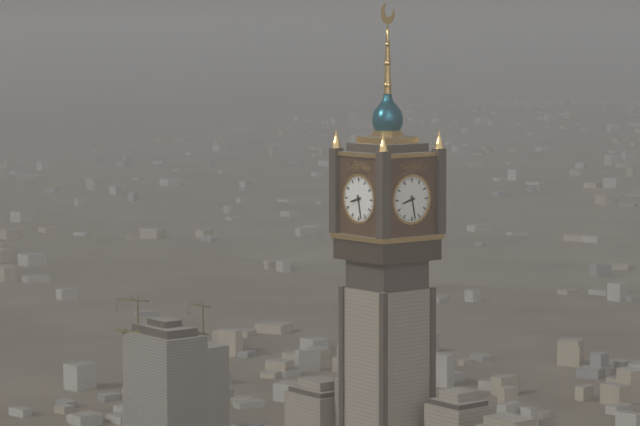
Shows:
{"hour": 8, "minute": 28}
